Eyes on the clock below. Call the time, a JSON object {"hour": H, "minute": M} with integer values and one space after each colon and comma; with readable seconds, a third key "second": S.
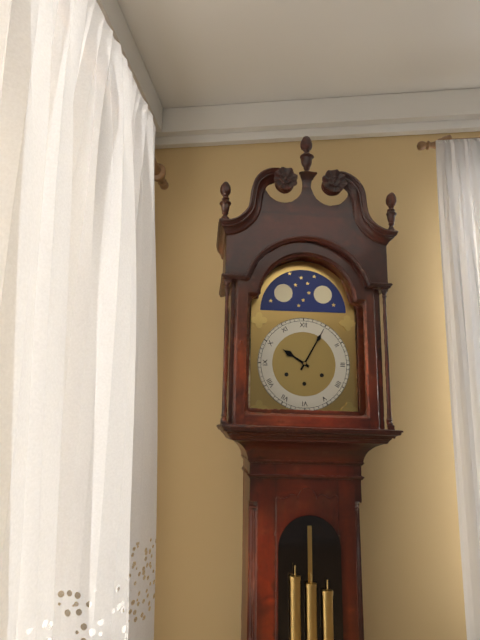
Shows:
{"hour": 10, "minute": 5}
